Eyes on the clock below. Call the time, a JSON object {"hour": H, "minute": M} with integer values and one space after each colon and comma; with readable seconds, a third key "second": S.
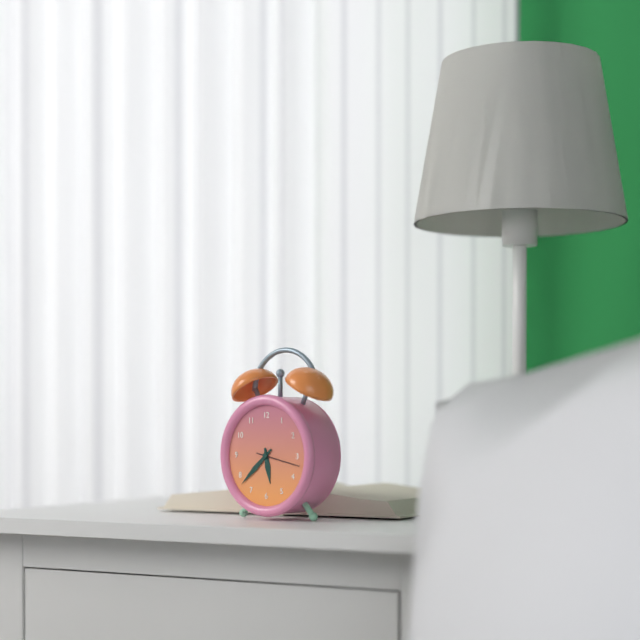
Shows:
{"hour": 5, "minute": 38}
